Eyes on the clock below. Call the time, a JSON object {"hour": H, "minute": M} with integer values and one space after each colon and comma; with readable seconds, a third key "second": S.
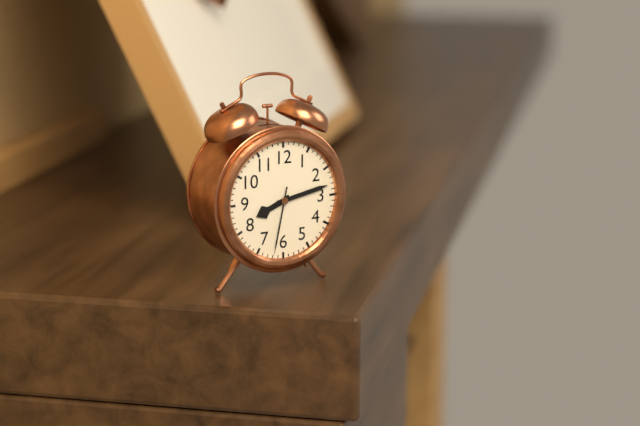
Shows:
{"hour": 8, "minute": 13, "second": 32}
